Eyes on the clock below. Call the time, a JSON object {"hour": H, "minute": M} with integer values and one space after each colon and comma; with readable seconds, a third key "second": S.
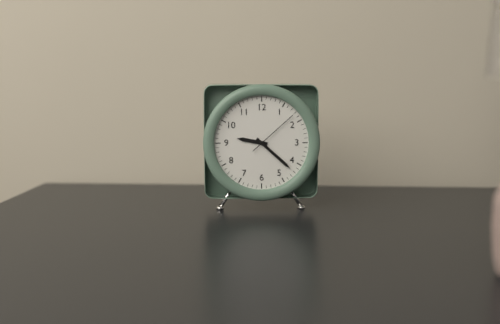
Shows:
{"hour": 9, "minute": 22, "second": 8}
